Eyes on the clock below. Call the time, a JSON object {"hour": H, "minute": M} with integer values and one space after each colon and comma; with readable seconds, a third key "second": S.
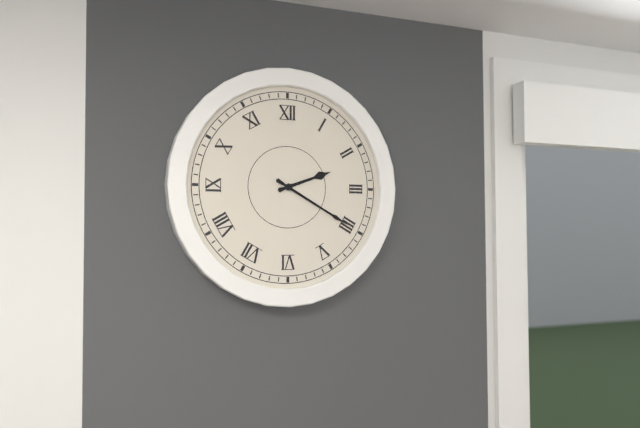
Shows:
{"hour": 2, "minute": 20}
